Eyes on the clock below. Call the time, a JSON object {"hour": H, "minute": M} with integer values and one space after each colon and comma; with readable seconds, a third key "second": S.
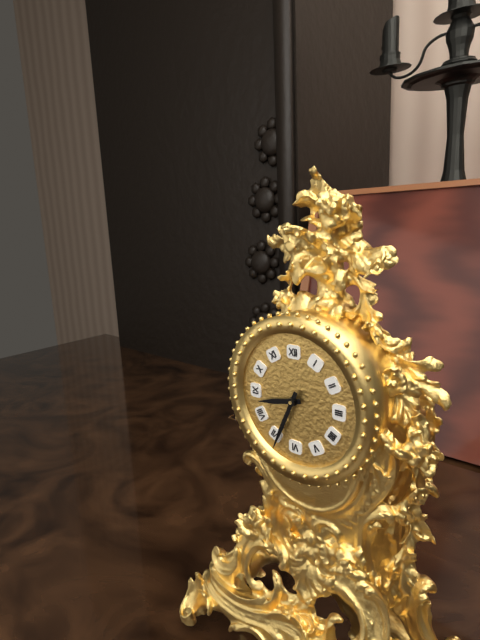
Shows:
{"hour": 8, "minute": 34}
